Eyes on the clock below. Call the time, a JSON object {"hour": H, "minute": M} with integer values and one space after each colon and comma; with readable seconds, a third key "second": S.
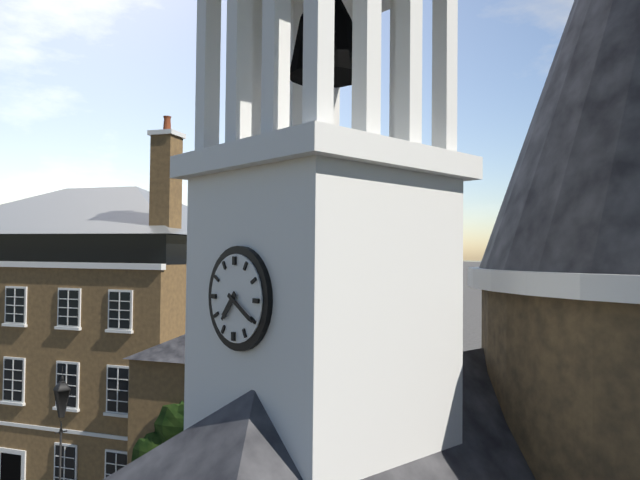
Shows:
{"hour": 7, "minute": 20}
